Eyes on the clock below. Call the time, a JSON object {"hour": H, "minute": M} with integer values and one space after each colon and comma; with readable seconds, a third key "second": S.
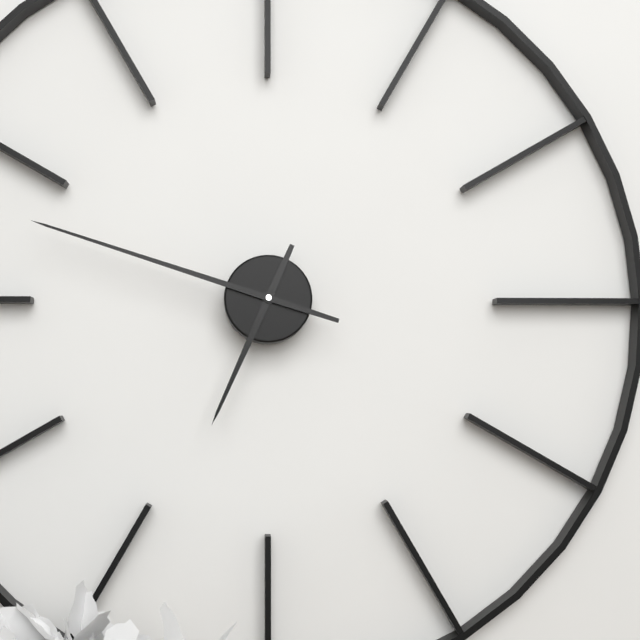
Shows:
{"hour": 6, "minute": 48}
